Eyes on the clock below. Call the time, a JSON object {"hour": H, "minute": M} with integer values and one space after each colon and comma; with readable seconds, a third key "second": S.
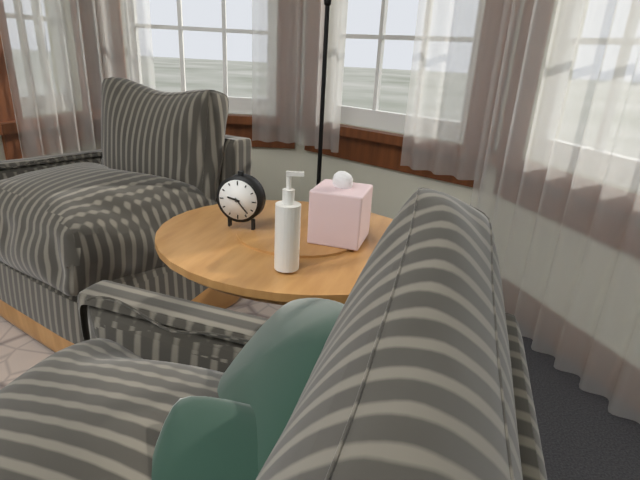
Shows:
{"hour": 9, "minute": 23}
